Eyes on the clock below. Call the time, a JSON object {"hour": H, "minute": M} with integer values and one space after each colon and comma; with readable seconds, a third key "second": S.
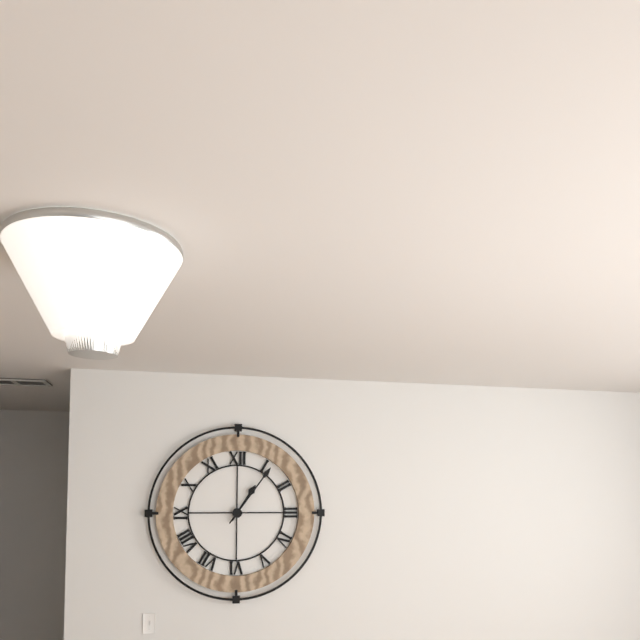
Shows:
{"hour": 1, "minute": 6}
